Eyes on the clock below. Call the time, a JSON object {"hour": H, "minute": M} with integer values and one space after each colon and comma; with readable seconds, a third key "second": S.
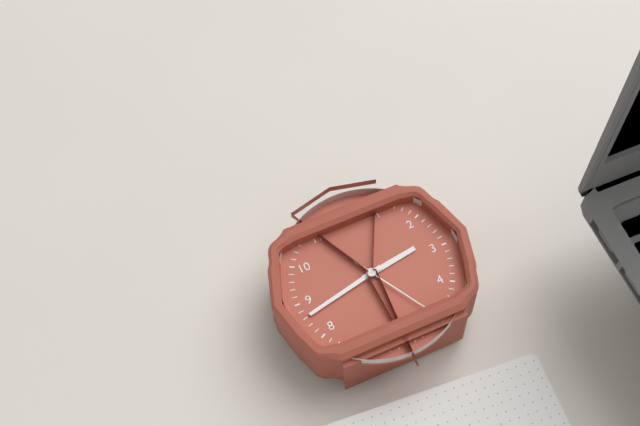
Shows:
{"hour": 2, "minute": 43, "second": 25}
